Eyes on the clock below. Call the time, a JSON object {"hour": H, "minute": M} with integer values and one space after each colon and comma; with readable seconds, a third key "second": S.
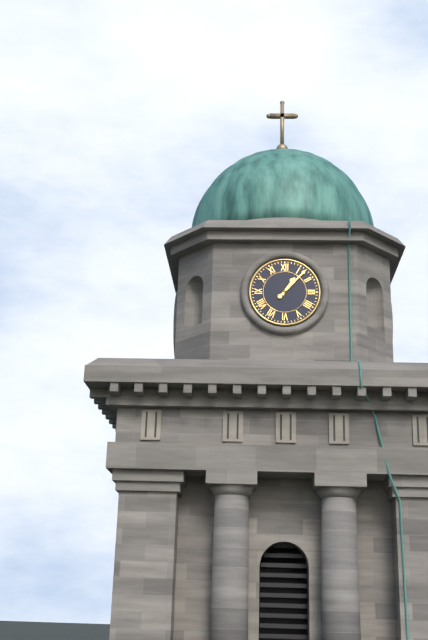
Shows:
{"hour": 1, "minute": 7}
